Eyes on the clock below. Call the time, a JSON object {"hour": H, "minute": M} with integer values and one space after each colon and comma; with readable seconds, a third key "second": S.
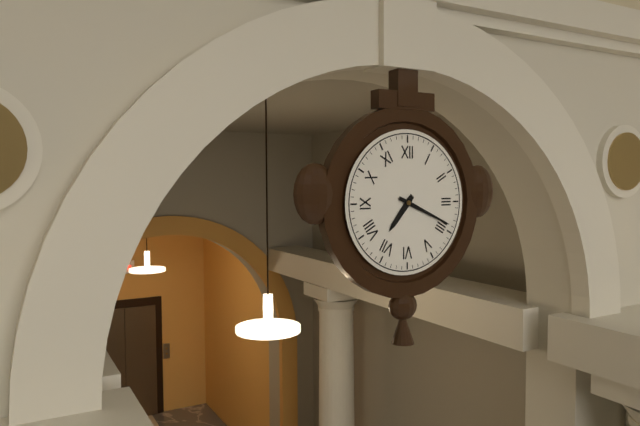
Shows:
{"hour": 7, "minute": 19}
